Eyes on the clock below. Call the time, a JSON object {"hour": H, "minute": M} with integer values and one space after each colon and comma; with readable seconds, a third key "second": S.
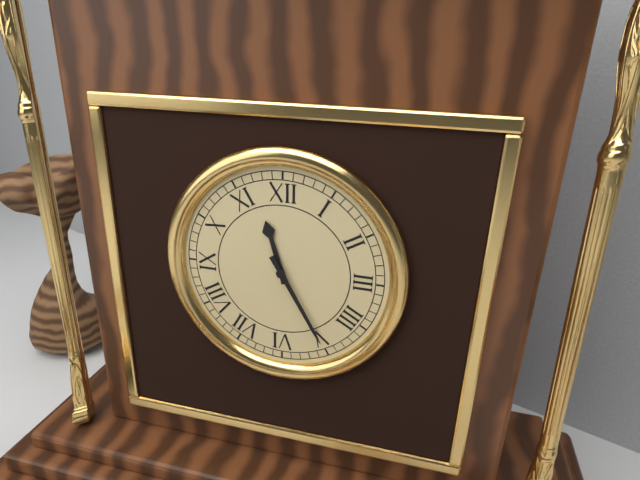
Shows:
{"hour": 11, "minute": 25}
